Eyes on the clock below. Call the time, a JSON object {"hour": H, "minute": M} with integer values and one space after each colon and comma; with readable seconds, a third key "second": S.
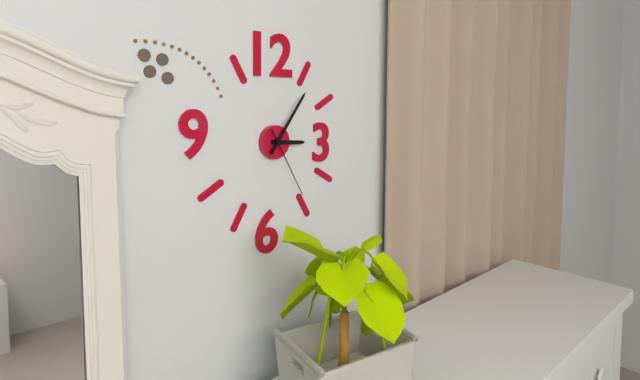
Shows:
{"hour": 3, "minute": 6, "second": 25}
